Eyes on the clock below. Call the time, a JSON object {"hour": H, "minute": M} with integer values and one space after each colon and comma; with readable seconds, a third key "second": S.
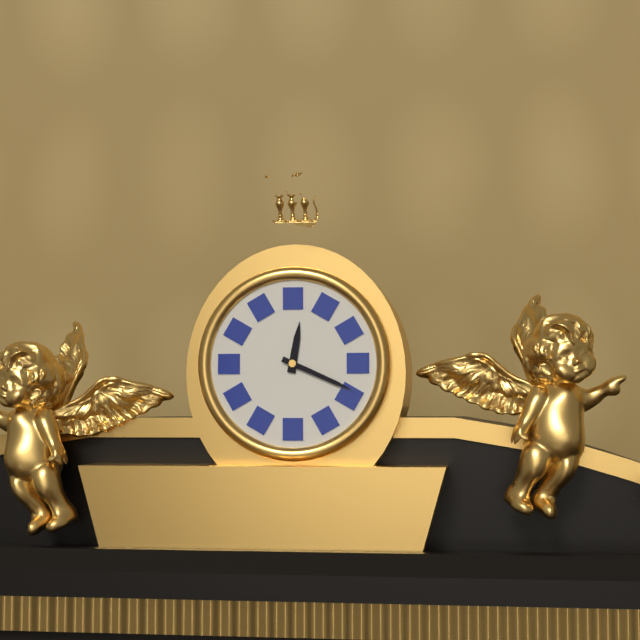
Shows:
{"hour": 12, "minute": 19}
